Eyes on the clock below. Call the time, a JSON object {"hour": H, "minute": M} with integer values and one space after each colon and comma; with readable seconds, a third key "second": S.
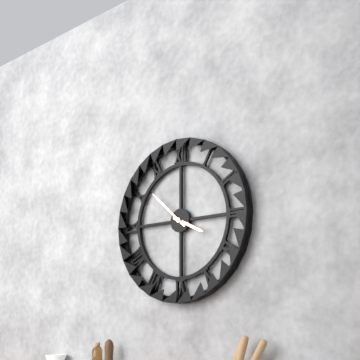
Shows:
{"hour": 3, "minute": 52}
